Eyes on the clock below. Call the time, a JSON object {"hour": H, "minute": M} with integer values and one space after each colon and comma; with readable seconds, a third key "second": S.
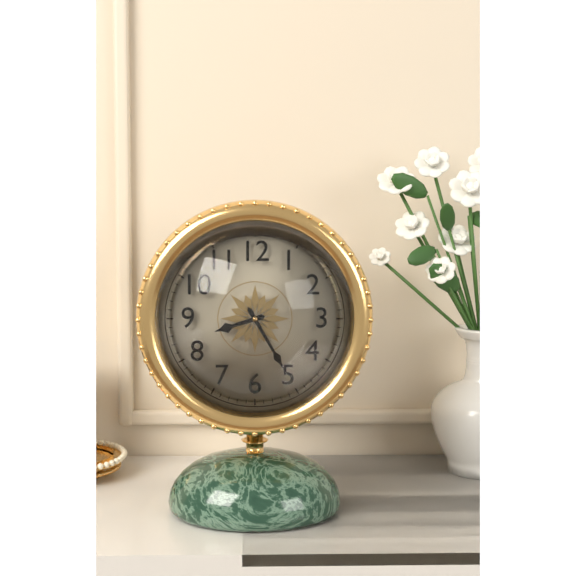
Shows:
{"hour": 8, "minute": 25}
